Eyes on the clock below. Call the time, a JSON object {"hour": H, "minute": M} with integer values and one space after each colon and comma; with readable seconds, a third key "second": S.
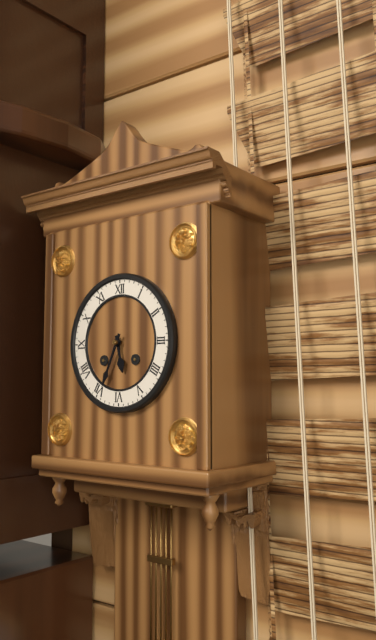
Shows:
{"hour": 5, "minute": 34}
